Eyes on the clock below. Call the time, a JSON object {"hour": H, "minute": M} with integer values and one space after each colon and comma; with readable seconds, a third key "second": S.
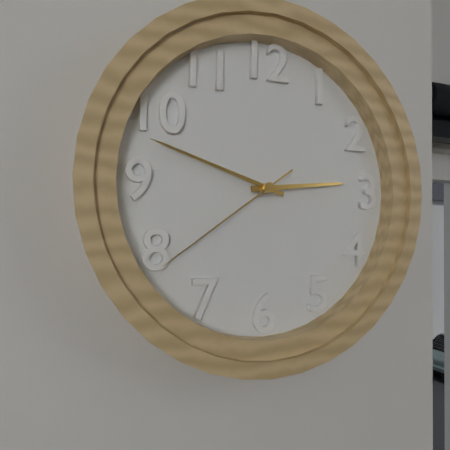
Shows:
{"hour": 2, "minute": 48, "second": 39}
